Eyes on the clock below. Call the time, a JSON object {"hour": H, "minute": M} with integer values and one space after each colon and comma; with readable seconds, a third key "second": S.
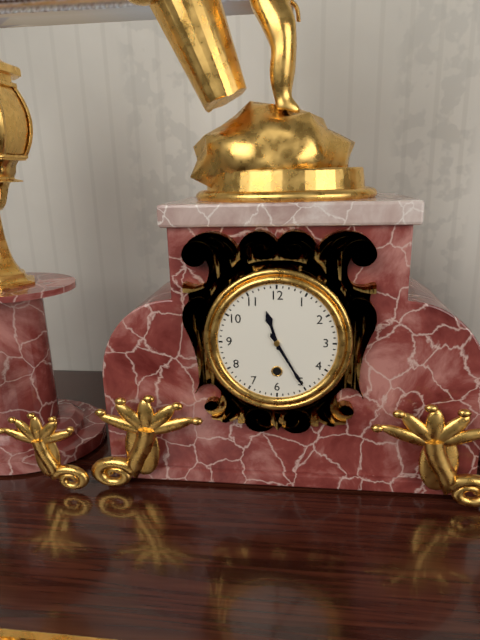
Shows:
{"hour": 11, "minute": 25}
